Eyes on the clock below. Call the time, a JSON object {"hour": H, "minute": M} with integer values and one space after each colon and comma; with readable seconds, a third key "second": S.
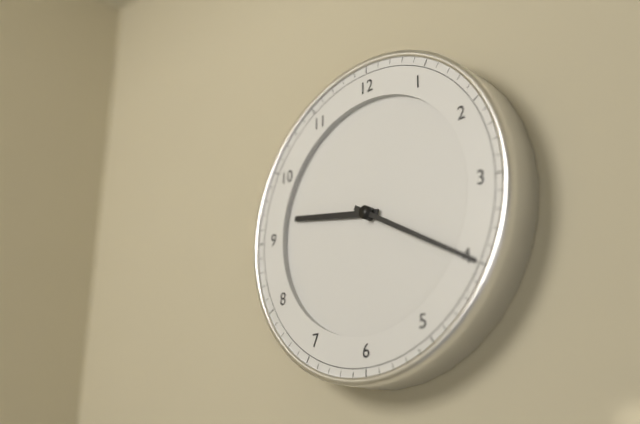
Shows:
{"hour": 9, "minute": 20}
